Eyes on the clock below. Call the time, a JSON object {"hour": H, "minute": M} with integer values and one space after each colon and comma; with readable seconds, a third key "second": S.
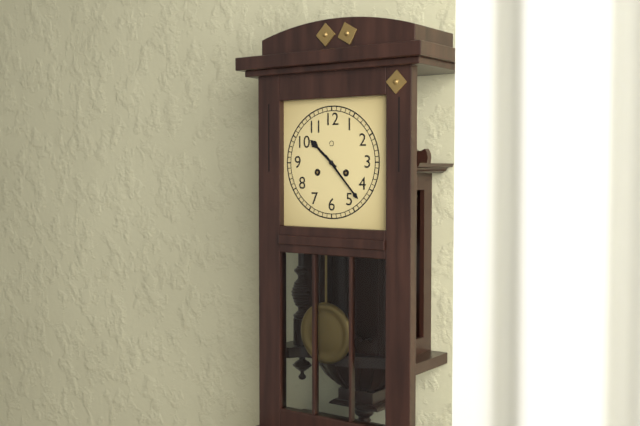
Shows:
{"hour": 10, "minute": 23}
